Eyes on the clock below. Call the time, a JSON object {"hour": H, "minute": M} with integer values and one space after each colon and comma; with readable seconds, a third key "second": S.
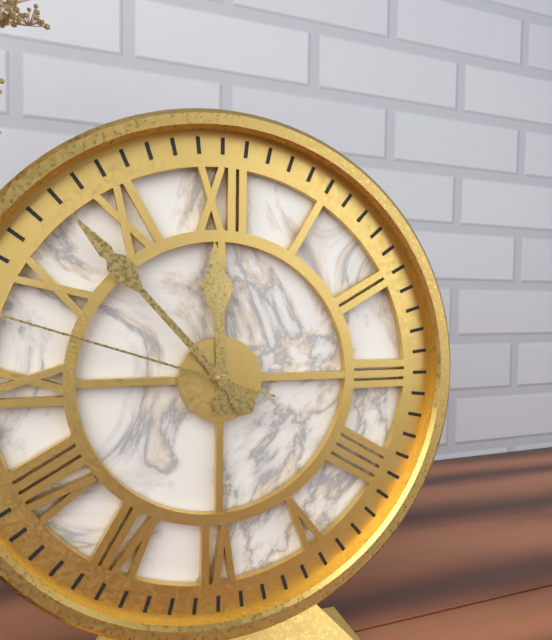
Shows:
{"hour": 11, "minute": 53}
